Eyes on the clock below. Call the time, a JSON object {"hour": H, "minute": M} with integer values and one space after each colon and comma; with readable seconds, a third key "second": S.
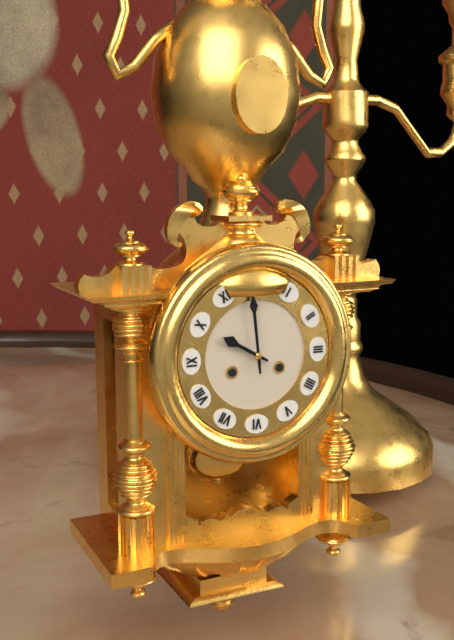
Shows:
{"hour": 9, "minute": 59}
